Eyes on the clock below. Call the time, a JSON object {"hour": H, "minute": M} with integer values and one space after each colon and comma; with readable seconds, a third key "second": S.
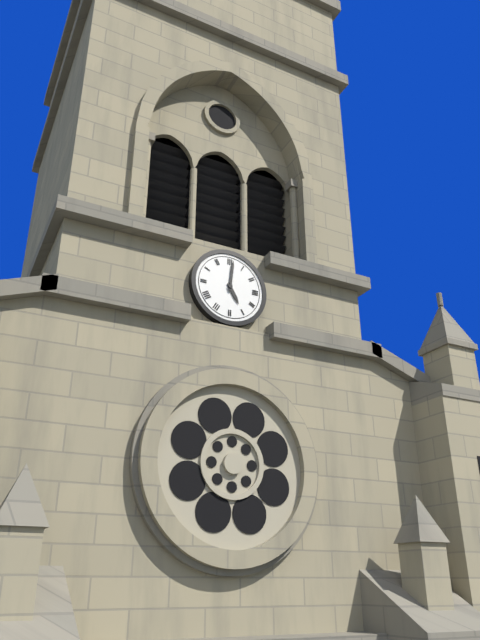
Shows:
{"hour": 5, "minute": 1}
